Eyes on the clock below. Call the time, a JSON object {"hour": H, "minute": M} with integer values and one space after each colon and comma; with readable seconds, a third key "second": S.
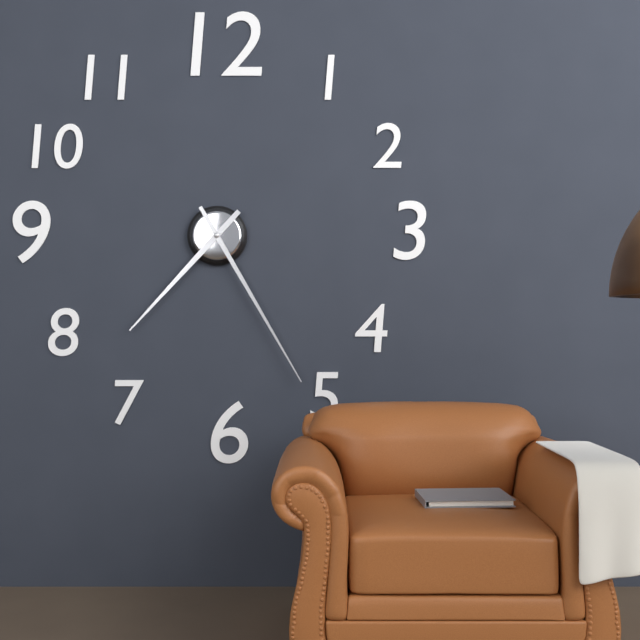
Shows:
{"hour": 7, "minute": 25}
